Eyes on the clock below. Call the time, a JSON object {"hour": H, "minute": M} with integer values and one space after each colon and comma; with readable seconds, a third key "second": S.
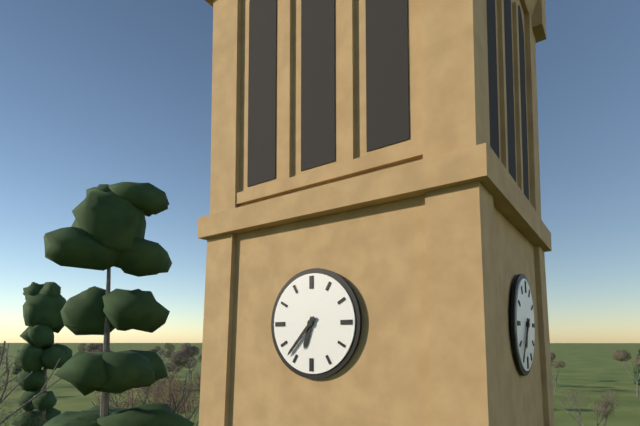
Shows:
{"hour": 6, "minute": 37}
